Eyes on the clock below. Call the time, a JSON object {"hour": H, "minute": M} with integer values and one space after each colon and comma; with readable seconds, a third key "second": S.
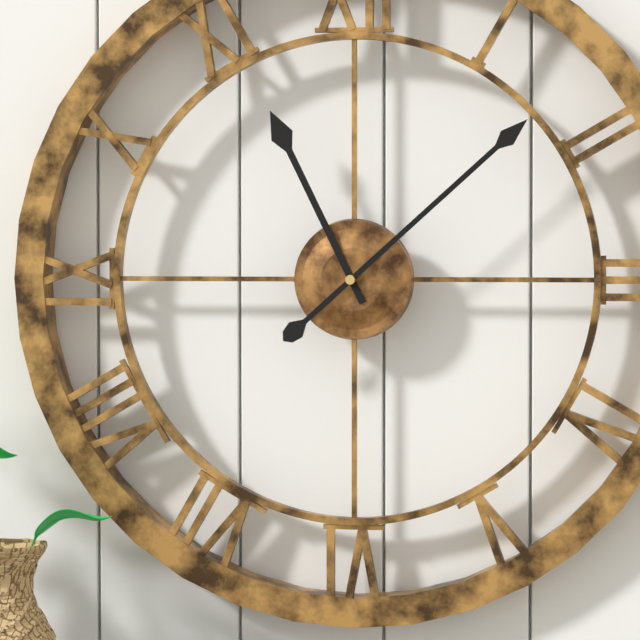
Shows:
{"hour": 11, "minute": 8}
